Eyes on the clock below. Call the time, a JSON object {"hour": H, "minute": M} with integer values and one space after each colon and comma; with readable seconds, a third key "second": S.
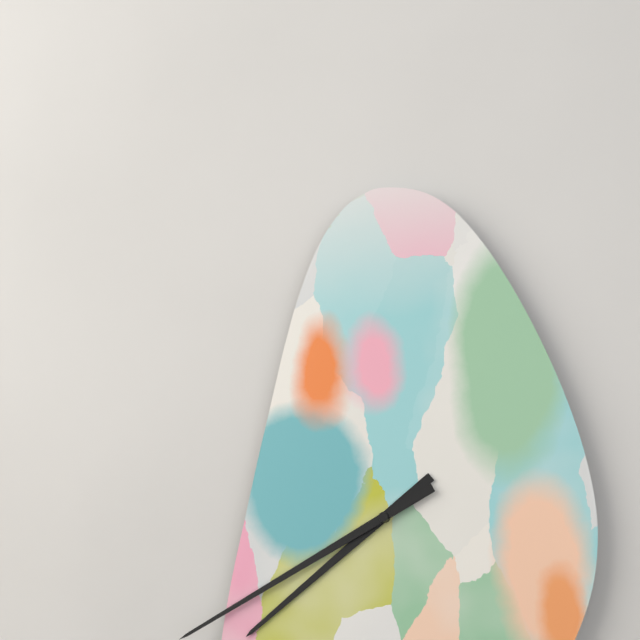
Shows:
{"hour": 7, "minute": 40}
